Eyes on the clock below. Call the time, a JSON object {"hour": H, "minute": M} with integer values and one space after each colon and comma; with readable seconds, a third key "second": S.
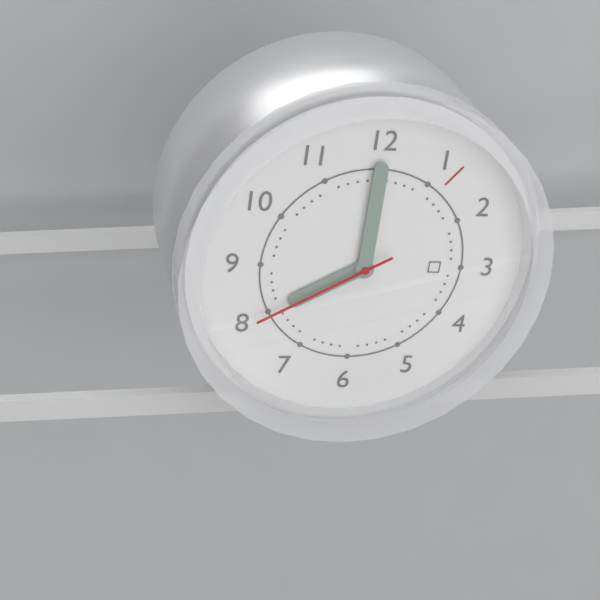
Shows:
{"hour": 8, "minute": 0, "second": 40}
